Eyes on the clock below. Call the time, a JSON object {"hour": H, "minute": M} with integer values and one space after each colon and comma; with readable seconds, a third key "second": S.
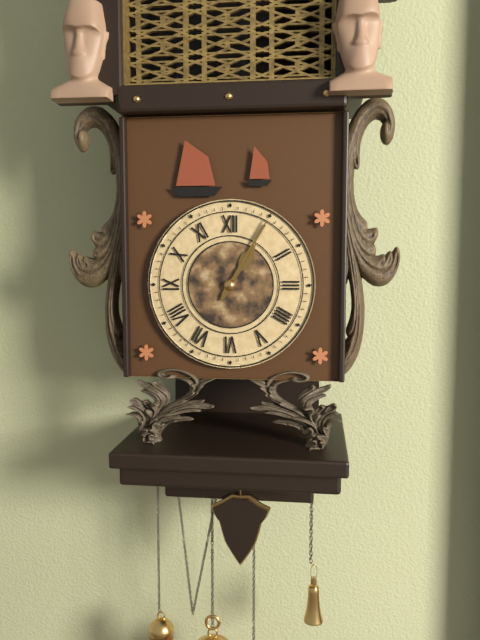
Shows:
{"hour": 1, "minute": 5}
